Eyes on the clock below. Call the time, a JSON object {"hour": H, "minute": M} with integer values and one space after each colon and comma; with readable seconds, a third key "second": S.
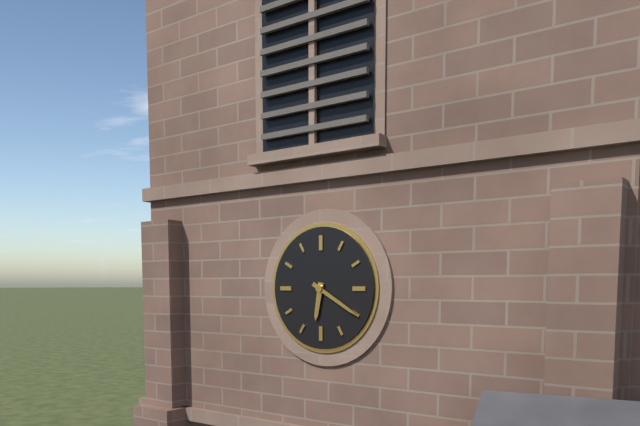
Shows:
{"hour": 6, "minute": 20}
